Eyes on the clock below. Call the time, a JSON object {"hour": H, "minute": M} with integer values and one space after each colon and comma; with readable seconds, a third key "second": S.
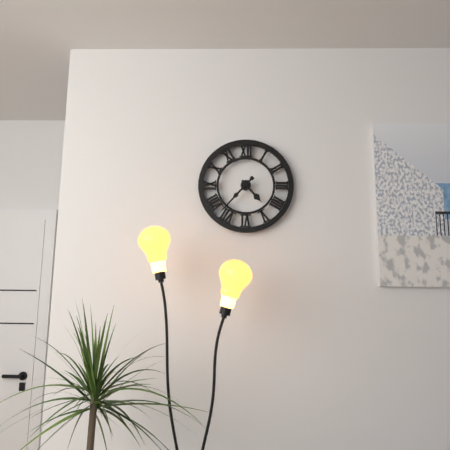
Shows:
{"hour": 4, "minute": 37}
